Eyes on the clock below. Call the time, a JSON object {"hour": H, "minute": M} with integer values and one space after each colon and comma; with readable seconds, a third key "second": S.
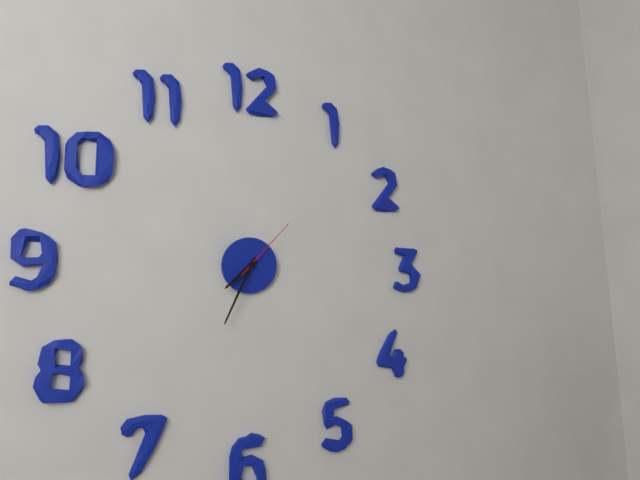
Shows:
{"hour": 7, "minute": 34, "second": 7}
